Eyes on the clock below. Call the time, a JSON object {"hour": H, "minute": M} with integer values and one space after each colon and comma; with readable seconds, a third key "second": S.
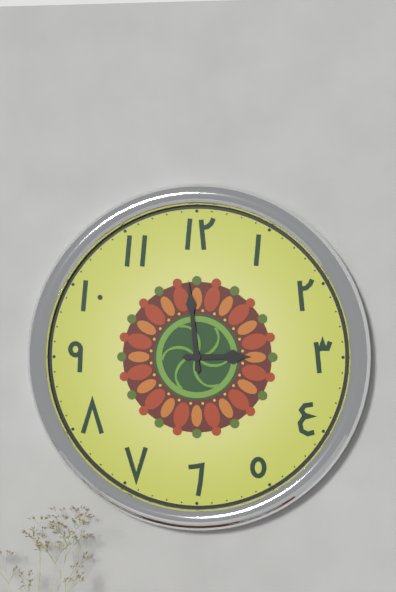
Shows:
{"hour": 2, "minute": 59}
